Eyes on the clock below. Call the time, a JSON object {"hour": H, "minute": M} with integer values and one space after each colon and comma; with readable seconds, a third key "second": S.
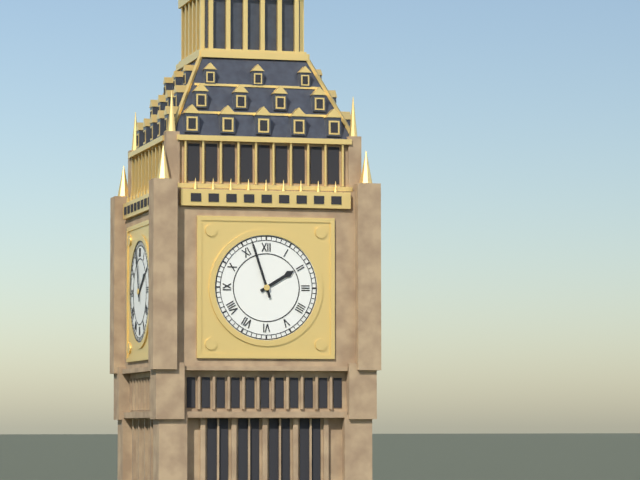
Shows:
{"hour": 1, "minute": 57}
